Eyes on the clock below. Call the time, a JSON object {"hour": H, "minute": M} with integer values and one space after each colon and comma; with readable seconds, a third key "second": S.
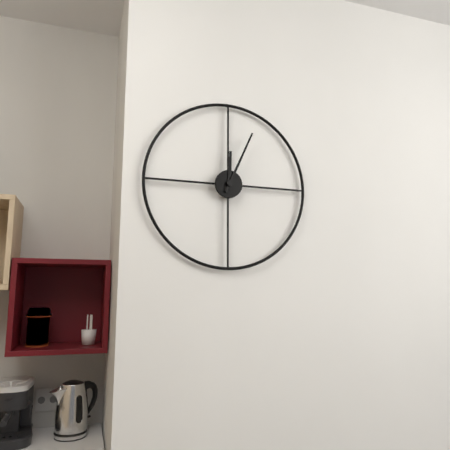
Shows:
{"hour": 12, "minute": 4}
